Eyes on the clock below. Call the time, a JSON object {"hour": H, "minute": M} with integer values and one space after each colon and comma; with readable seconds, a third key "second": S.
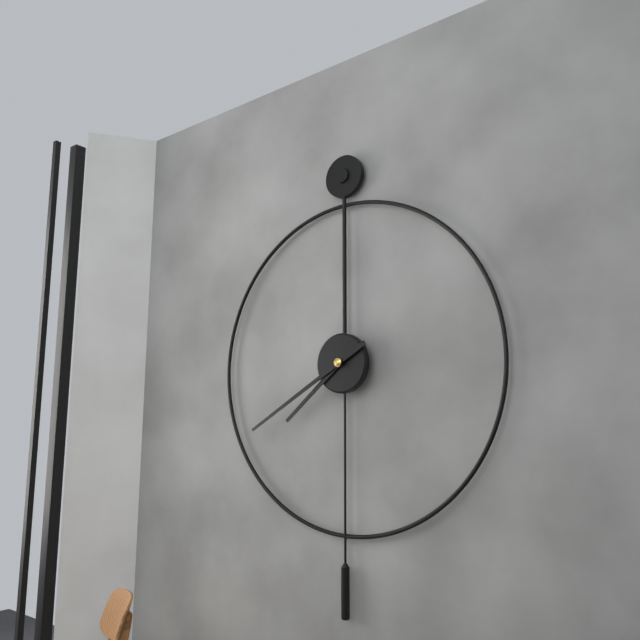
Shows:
{"hour": 7, "minute": 40}
